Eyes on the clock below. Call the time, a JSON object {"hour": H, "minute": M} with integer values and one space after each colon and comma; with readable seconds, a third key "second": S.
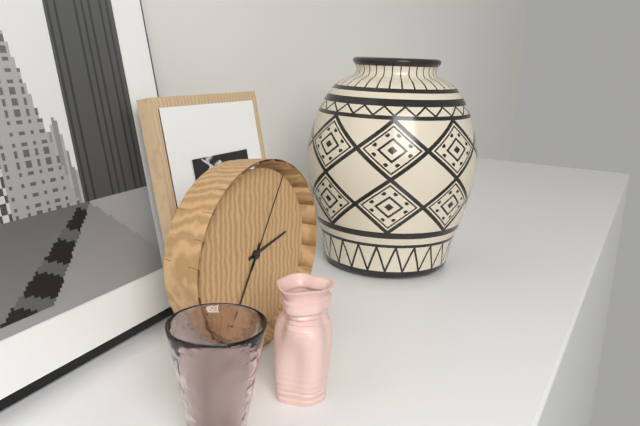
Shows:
{"hour": 2, "minute": 35, "second": 5}
